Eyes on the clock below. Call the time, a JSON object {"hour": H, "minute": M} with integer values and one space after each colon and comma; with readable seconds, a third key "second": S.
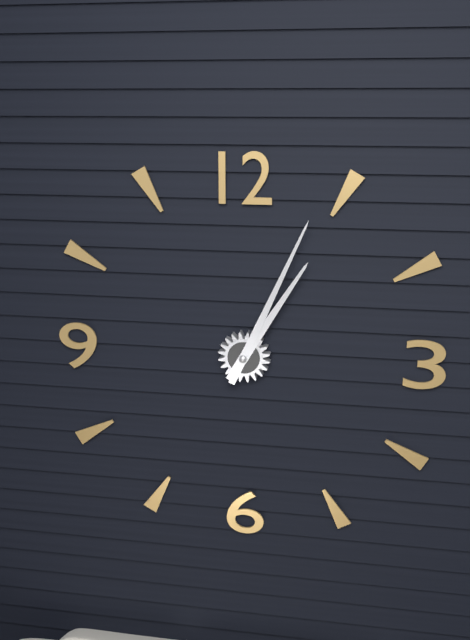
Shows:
{"hour": 1, "minute": 4}
